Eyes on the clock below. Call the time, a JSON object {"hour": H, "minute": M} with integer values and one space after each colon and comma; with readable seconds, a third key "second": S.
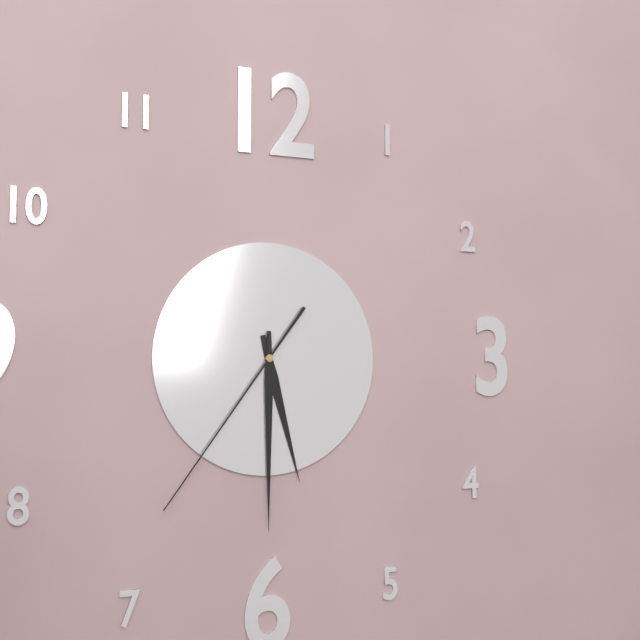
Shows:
{"hour": 5, "minute": 30, "second": 36}
